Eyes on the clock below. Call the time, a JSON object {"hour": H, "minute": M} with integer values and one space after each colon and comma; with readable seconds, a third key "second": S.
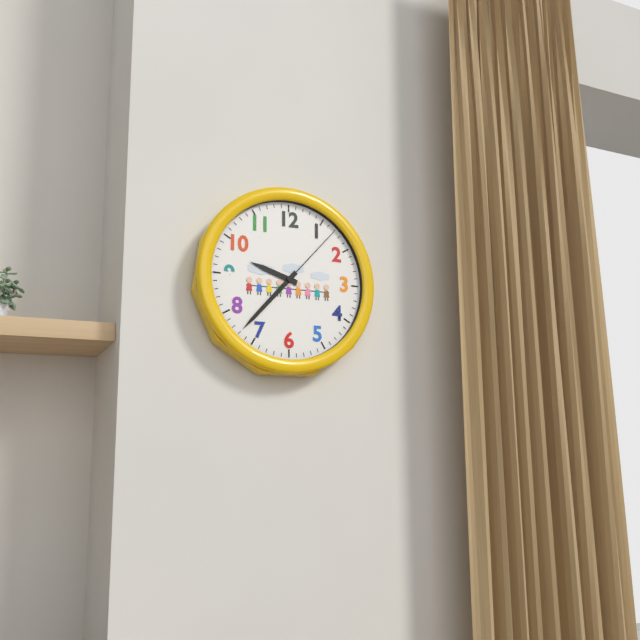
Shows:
{"hour": 9, "minute": 37, "second": 7}
